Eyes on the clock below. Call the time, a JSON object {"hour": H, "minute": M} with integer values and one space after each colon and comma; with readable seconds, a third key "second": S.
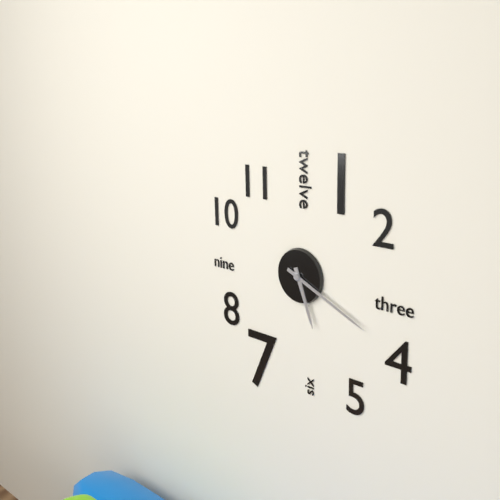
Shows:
{"hour": 5, "minute": 19}
